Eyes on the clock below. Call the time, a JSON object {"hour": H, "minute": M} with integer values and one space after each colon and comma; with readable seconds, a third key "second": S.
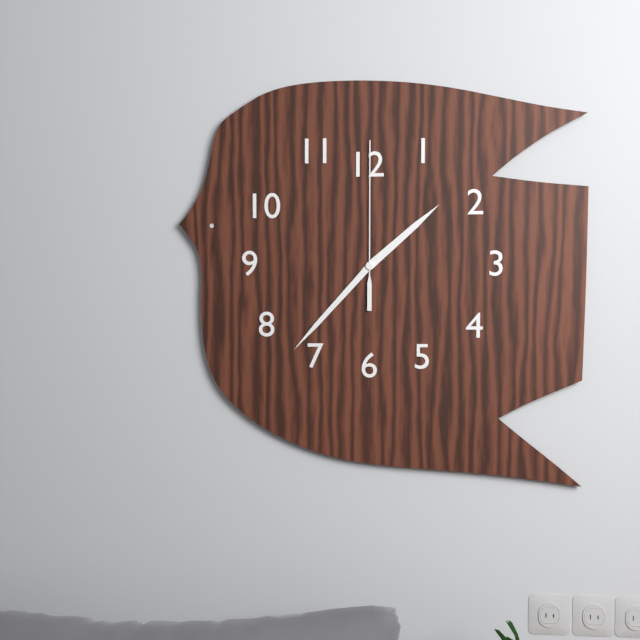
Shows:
{"hour": 1, "minute": 37, "second": 0}
